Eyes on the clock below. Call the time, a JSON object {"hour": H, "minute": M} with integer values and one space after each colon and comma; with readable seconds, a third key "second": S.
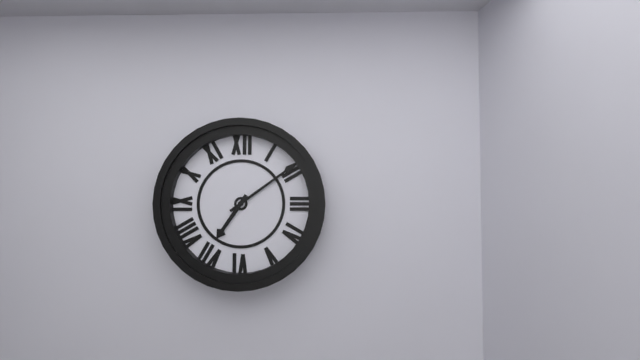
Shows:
{"hour": 7, "minute": 9}
